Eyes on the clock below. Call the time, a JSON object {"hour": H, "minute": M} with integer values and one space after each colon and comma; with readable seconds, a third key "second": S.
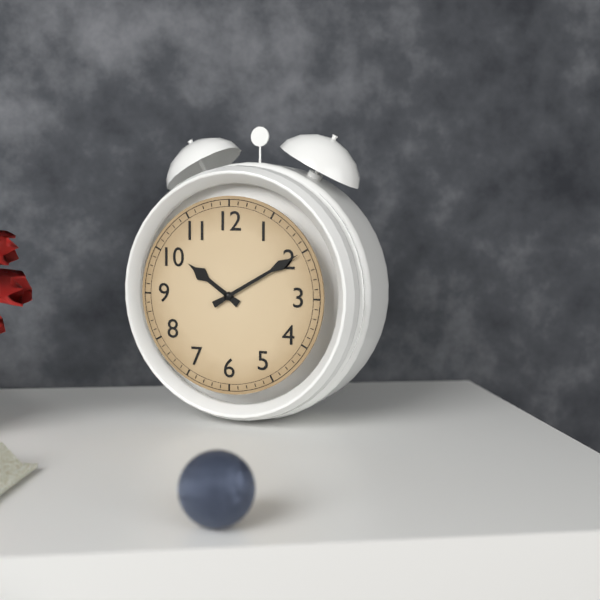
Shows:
{"hour": 10, "minute": 10}
